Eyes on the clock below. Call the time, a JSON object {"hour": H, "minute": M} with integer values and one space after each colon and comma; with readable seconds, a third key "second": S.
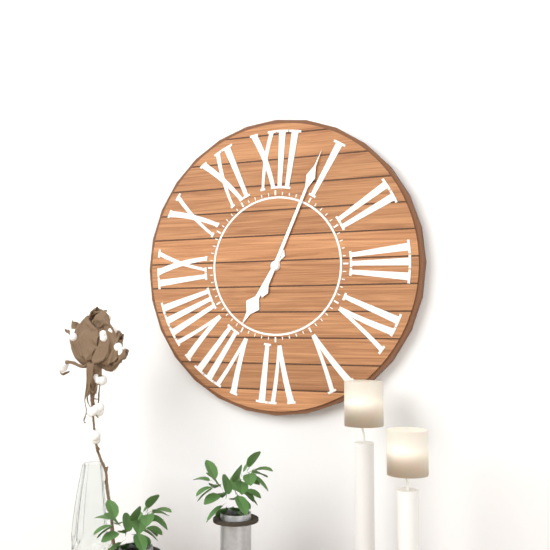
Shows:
{"hour": 7, "minute": 4}
